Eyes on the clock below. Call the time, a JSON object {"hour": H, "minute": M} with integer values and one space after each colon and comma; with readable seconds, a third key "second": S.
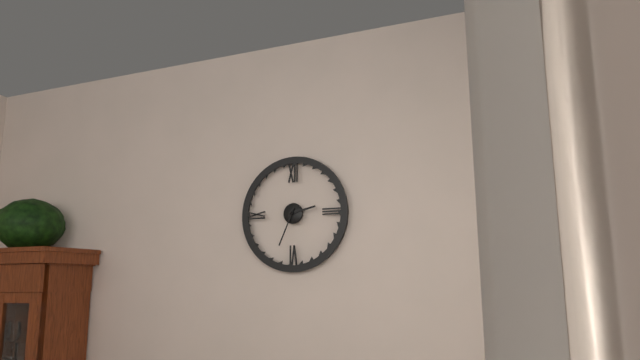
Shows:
{"hour": 2, "minute": 34}
